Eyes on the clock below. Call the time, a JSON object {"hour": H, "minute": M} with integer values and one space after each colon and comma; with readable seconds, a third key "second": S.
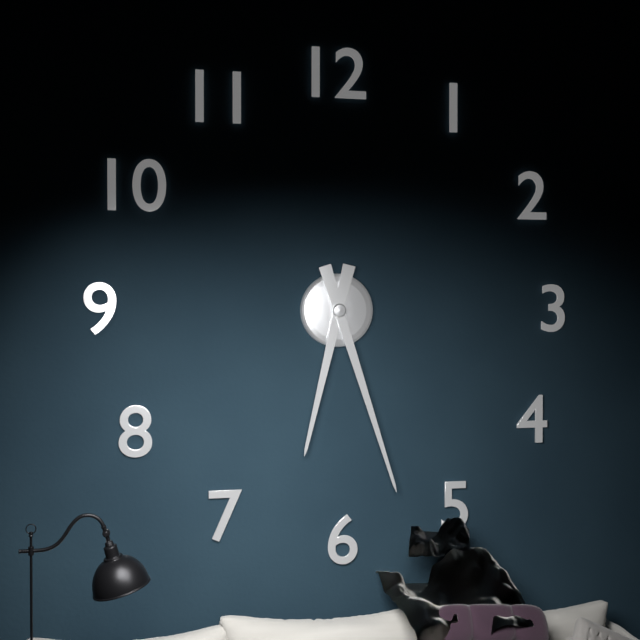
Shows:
{"hour": 6, "minute": 27}
